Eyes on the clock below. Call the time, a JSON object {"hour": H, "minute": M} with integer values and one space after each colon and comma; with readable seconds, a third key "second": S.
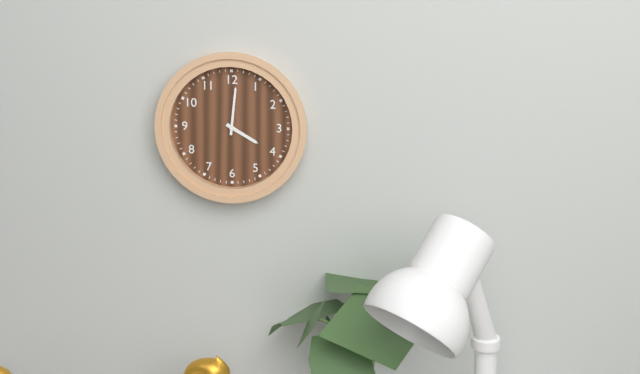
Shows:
{"hour": 4, "minute": 1}
